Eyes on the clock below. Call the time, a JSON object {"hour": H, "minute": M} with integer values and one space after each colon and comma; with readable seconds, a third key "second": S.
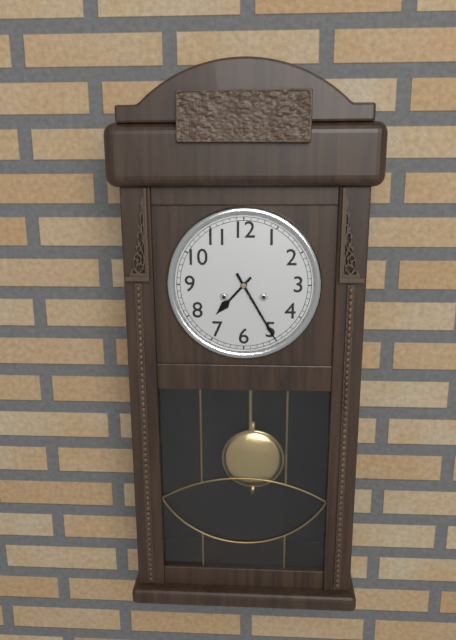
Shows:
{"hour": 7, "minute": 25}
